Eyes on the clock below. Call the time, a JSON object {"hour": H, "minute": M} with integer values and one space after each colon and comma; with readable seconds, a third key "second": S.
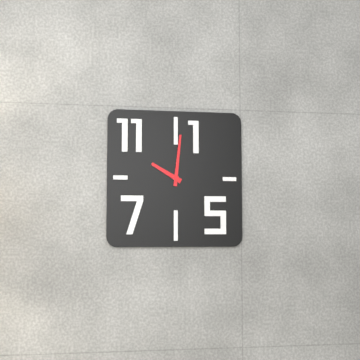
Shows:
{"hour": 10, "minute": 1}
